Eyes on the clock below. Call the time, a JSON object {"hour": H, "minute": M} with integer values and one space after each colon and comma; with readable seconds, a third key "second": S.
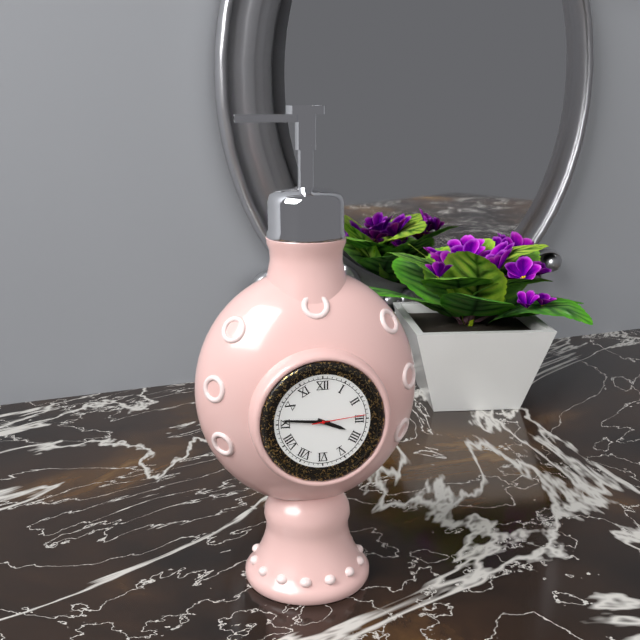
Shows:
{"hour": 3, "minute": 46, "second": 14}
